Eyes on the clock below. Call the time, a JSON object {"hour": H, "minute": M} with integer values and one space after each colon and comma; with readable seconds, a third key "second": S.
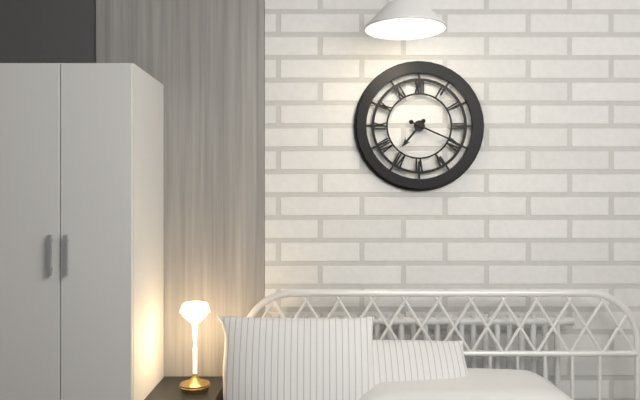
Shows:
{"hour": 7, "minute": 19}
